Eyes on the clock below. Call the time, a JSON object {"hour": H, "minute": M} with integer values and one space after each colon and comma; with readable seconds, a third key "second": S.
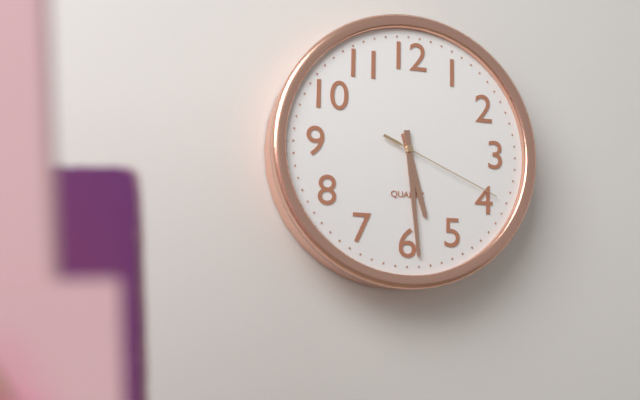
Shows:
{"hour": 5, "minute": 29, "second": 19}
